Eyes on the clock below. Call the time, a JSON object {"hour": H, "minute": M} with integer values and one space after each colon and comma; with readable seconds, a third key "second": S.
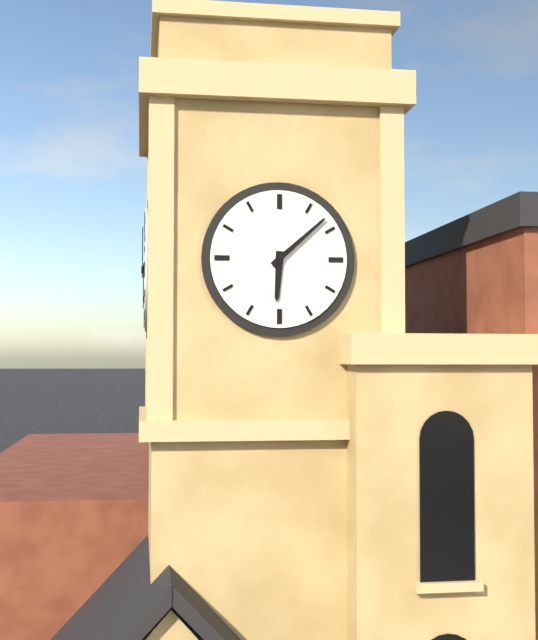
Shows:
{"hour": 6, "minute": 8}
